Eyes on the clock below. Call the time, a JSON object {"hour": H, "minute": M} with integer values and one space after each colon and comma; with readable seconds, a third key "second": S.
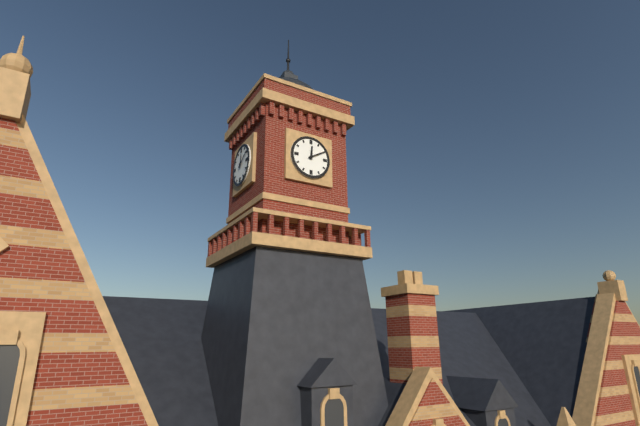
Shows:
{"hour": 12, "minute": 10}
